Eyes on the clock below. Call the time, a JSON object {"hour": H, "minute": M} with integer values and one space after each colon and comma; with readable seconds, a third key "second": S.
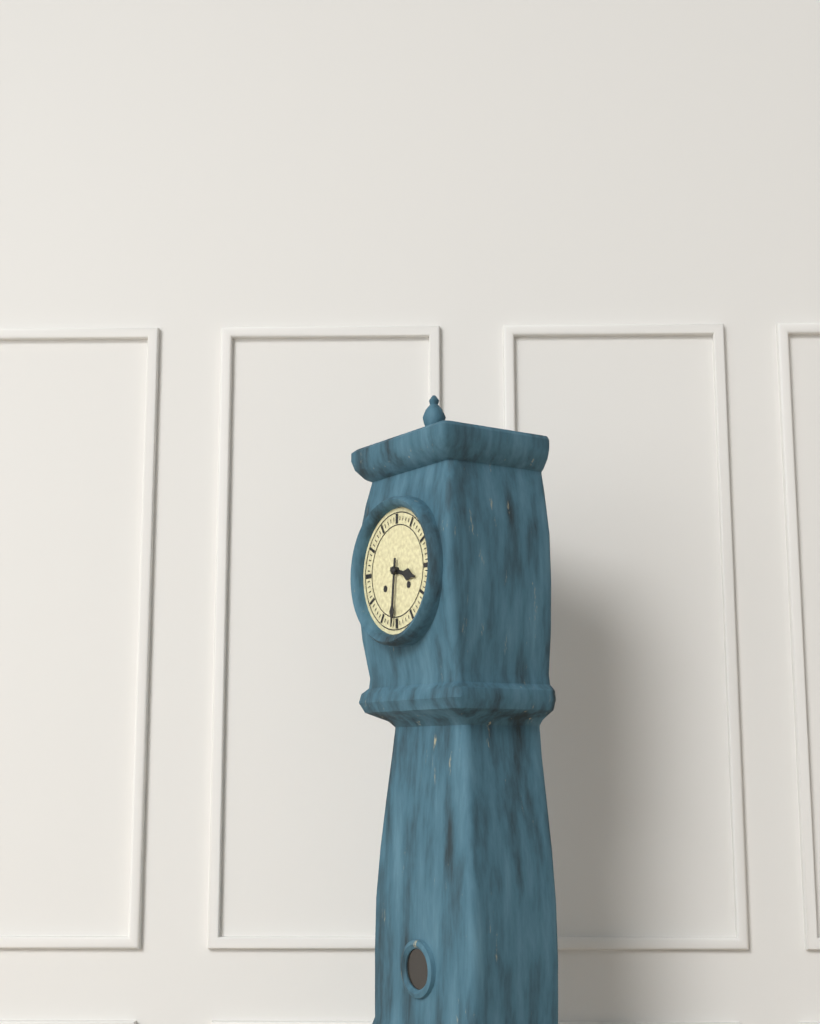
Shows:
{"hour": 3, "minute": 31}
